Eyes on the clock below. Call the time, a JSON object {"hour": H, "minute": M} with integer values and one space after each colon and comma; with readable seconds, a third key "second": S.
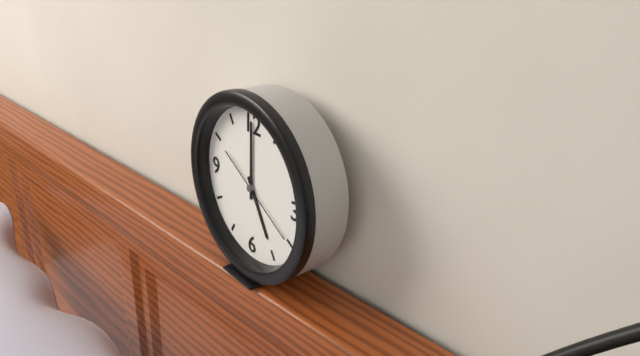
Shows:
{"hour": 5, "minute": 0, "second": 20}
